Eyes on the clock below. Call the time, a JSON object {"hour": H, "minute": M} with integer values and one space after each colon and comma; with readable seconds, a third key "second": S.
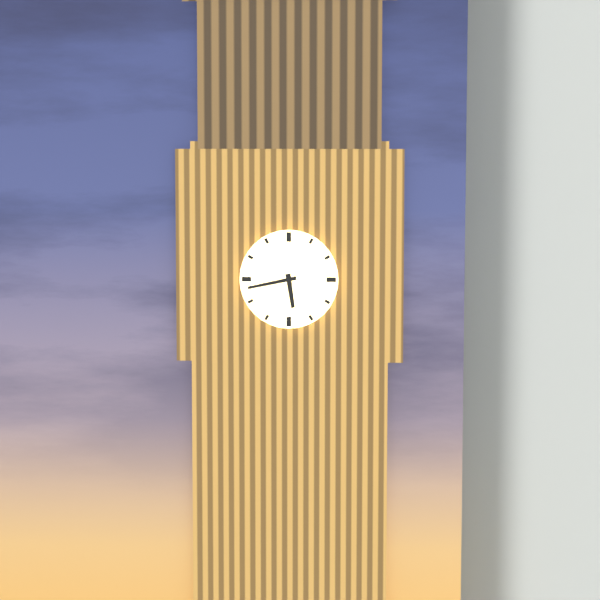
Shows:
{"hour": 5, "minute": 43}
